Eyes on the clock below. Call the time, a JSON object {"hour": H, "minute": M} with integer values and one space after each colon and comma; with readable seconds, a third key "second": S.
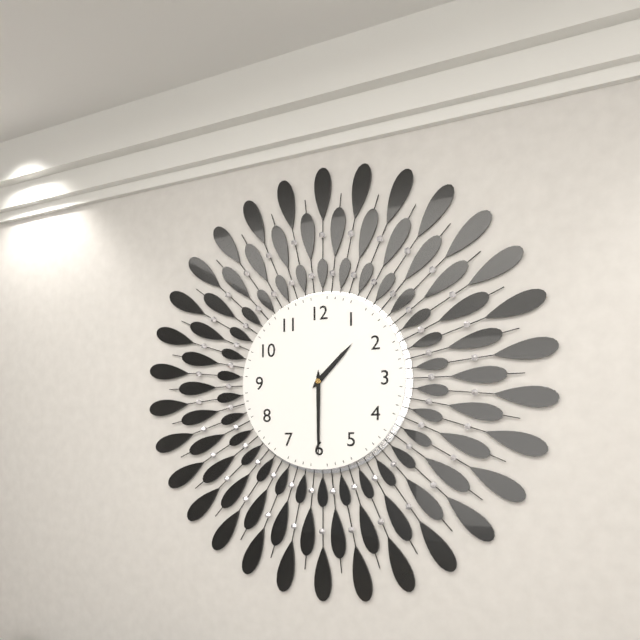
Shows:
{"hour": 1, "minute": 30}
